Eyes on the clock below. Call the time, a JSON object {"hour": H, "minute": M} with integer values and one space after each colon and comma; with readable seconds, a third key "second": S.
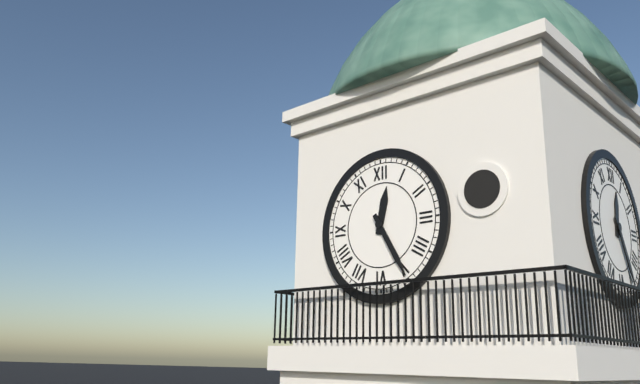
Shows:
{"hour": 12, "minute": 25}
